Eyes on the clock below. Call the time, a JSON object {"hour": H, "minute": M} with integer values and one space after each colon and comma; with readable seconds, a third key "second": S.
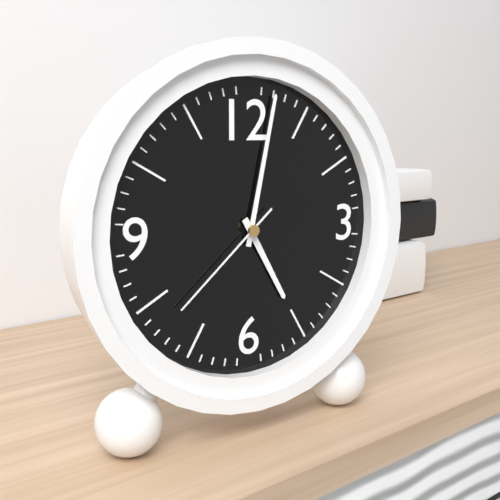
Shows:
{"hour": 5, "minute": 2, "second": 38}
